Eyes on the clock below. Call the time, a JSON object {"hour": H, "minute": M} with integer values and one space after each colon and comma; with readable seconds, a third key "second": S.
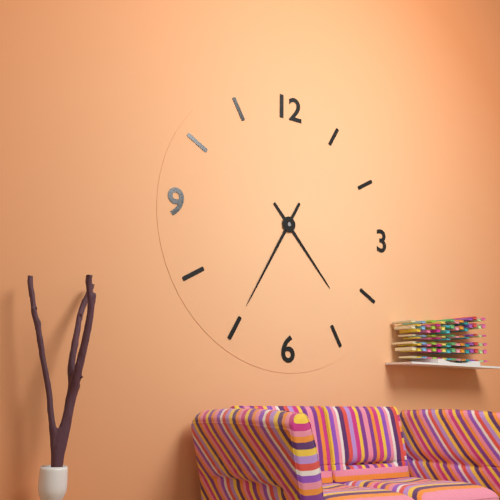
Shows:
{"hour": 4, "minute": 35}
